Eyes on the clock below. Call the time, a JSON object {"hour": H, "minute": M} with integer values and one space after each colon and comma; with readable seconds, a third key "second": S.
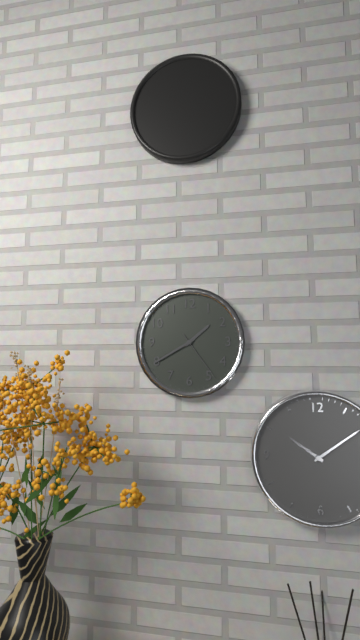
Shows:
{"hour": 1, "minute": 40, "second": 24}
